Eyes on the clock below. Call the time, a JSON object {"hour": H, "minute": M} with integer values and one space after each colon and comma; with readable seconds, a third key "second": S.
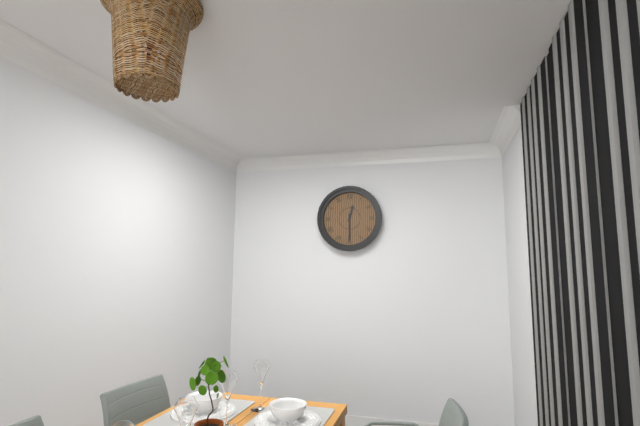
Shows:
{"hour": 12, "minute": 30}
